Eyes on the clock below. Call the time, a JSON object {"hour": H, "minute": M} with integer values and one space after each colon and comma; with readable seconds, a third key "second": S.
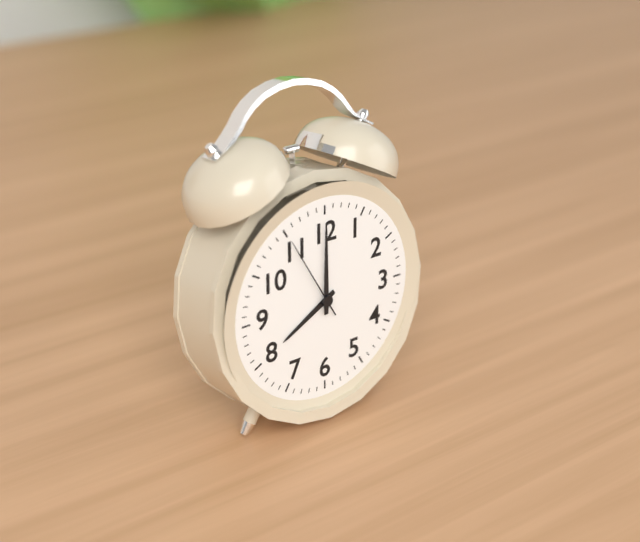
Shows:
{"hour": 8, "minute": 0, "second": 55}
